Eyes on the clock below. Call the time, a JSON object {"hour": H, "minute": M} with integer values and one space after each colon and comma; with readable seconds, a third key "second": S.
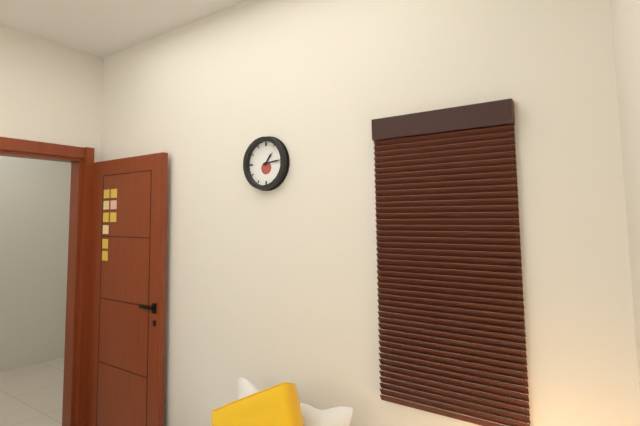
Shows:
{"hour": 1, "minute": 14}
